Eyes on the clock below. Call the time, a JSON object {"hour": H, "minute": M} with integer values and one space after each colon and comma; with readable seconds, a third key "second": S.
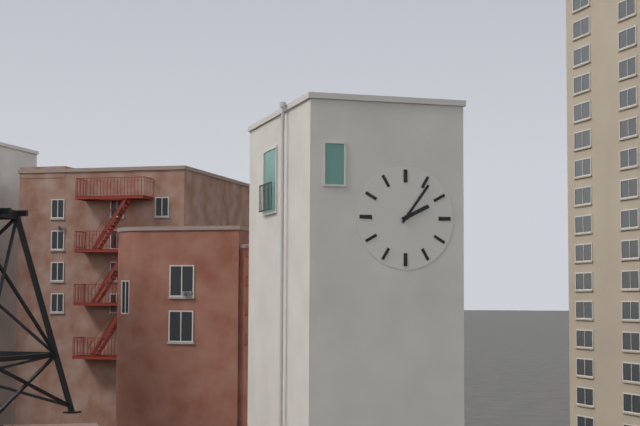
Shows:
{"hour": 2, "minute": 6}
